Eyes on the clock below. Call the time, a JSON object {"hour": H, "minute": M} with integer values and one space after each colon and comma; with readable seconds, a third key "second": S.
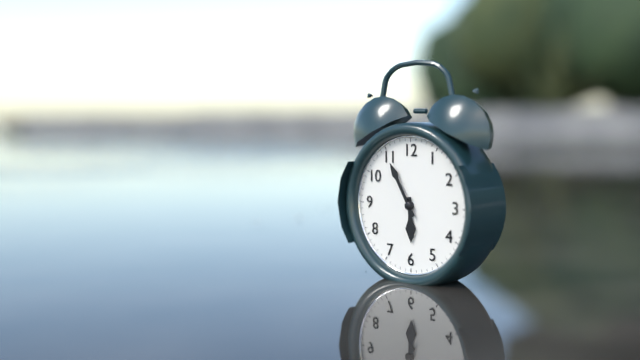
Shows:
{"hour": 5, "minute": 55}
